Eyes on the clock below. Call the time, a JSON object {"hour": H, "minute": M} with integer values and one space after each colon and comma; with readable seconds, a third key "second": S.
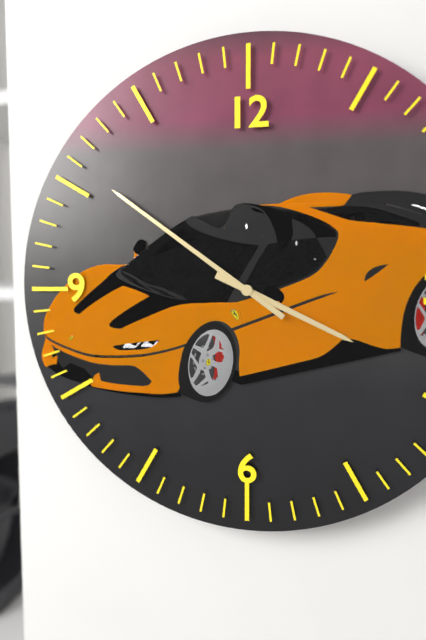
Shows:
{"hour": 3, "minute": 51}
